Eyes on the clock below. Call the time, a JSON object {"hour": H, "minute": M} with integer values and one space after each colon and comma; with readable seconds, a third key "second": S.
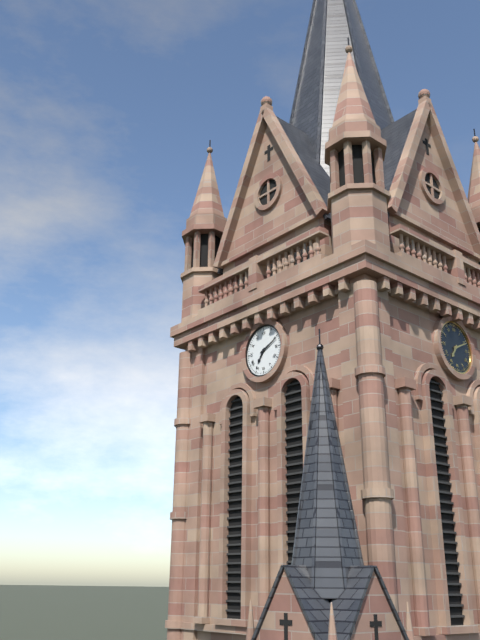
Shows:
{"hour": 7, "minute": 11}
